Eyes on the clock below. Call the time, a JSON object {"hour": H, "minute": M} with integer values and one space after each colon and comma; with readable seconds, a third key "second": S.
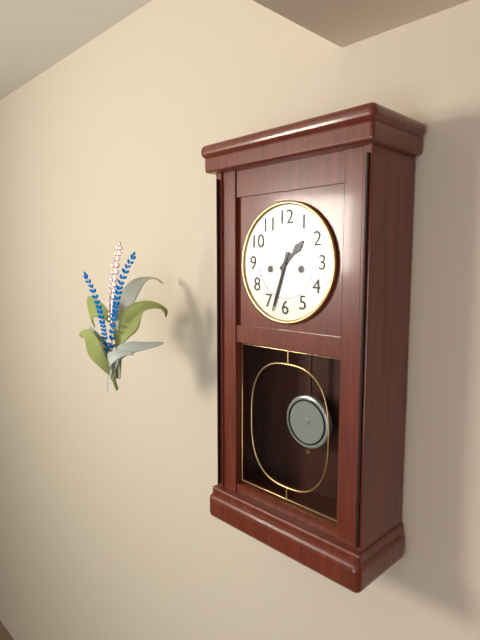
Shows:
{"hour": 1, "minute": 33}
